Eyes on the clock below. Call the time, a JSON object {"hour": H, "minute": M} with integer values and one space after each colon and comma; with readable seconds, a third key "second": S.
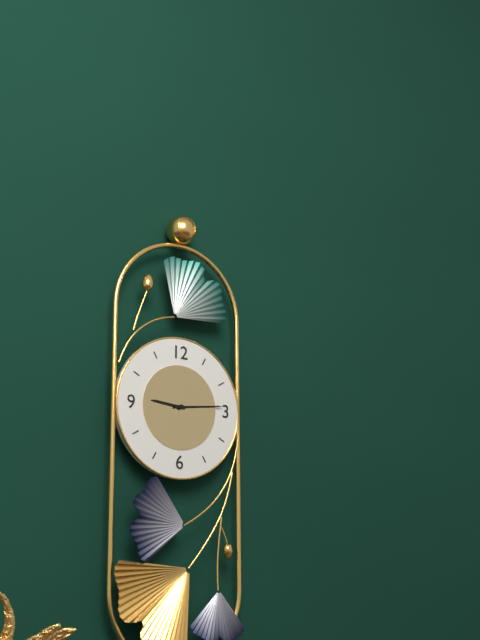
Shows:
{"hour": 9, "minute": 14}
